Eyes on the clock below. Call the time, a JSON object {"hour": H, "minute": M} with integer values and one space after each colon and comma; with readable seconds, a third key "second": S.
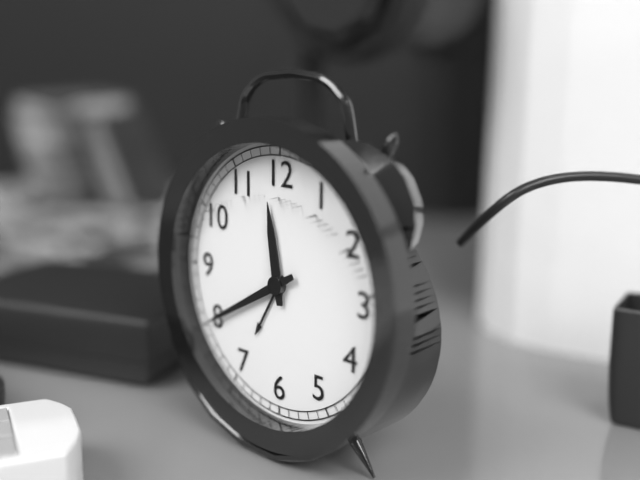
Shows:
{"hour": 11, "minute": 40}
